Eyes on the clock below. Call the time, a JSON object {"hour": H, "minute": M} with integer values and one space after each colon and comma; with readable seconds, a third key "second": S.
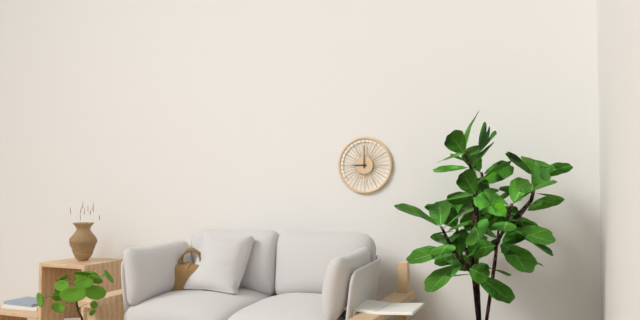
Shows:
{"hour": 9, "minute": 0}
